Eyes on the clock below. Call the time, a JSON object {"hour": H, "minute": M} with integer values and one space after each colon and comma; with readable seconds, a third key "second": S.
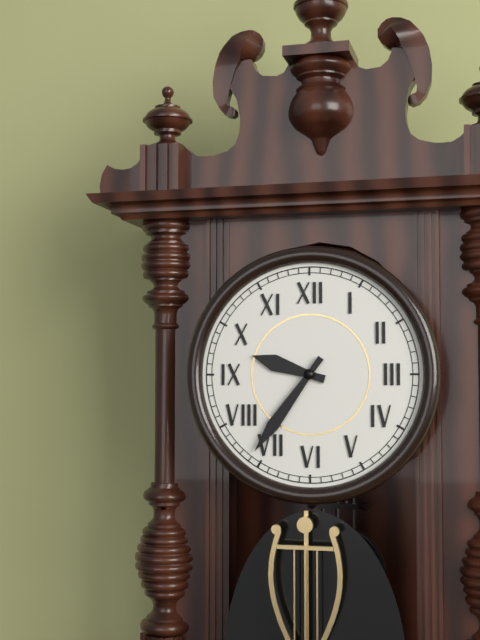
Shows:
{"hour": 9, "minute": 36}
